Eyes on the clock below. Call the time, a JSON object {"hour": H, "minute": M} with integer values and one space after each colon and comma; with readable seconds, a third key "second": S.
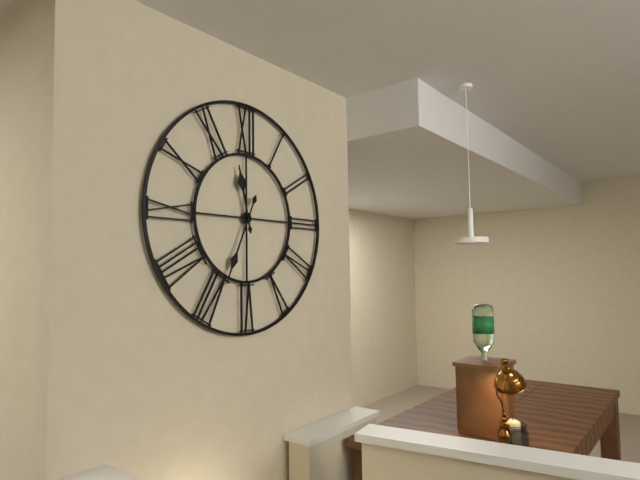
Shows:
{"hour": 11, "minute": 34}
